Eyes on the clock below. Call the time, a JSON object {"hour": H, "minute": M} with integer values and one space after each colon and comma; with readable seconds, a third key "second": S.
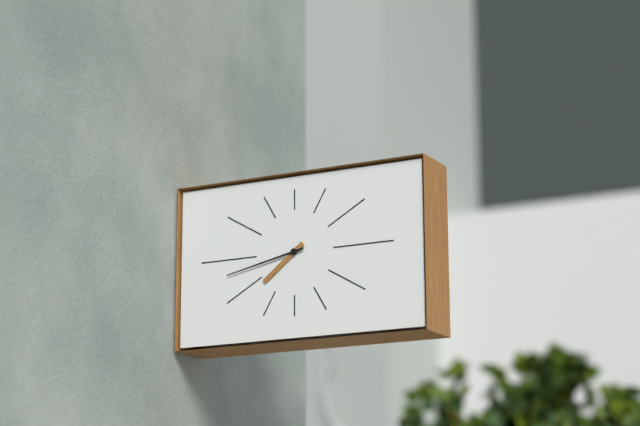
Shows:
{"hour": 7, "minute": 43}
